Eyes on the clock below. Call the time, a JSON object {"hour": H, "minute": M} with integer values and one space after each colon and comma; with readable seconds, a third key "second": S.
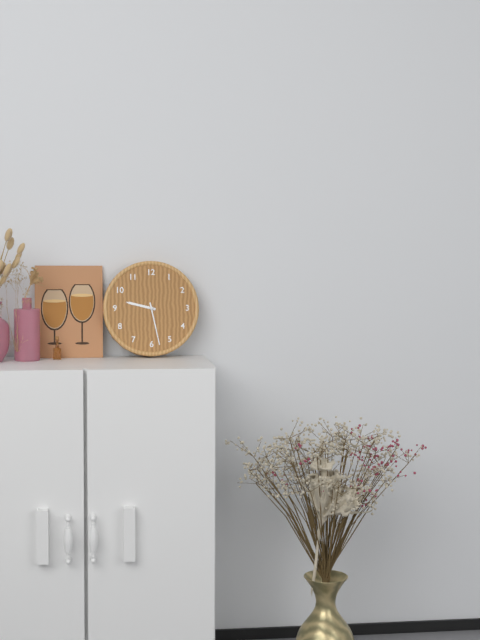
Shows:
{"hour": 9, "minute": 28}
